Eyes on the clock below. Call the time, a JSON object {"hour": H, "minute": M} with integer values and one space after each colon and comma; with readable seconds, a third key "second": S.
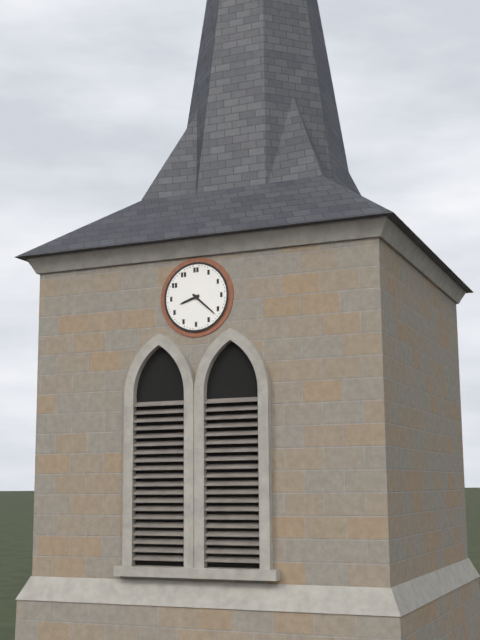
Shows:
{"hour": 8, "minute": 22}
